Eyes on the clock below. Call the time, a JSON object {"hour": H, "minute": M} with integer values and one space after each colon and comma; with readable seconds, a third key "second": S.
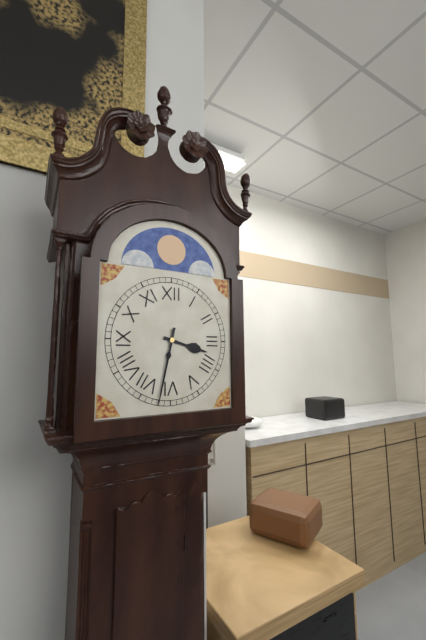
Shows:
{"hour": 3, "minute": 32}
